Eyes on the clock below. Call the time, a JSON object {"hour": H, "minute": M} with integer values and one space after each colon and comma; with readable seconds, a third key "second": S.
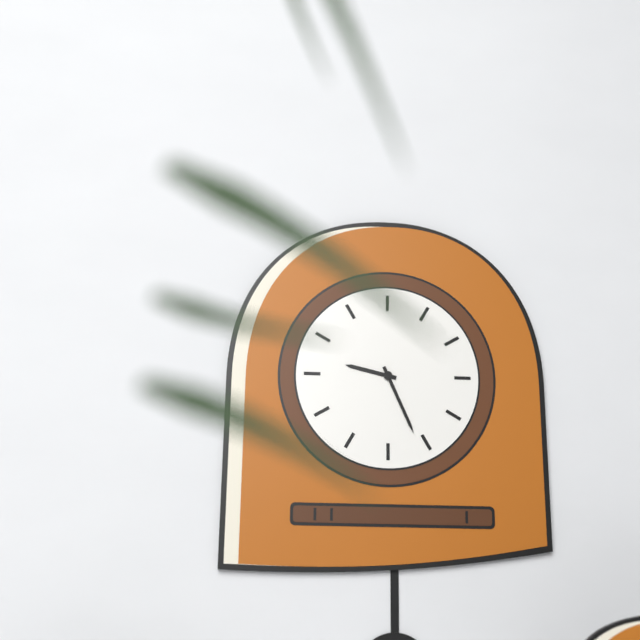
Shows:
{"hour": 9, "minute": 26}
